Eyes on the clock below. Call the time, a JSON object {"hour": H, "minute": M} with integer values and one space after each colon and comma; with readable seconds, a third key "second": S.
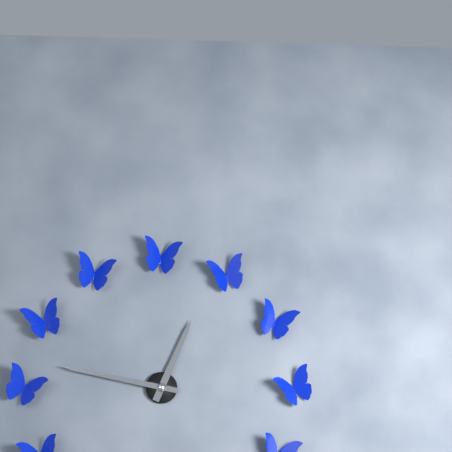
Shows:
{"hour": 12, "minute": 47}
